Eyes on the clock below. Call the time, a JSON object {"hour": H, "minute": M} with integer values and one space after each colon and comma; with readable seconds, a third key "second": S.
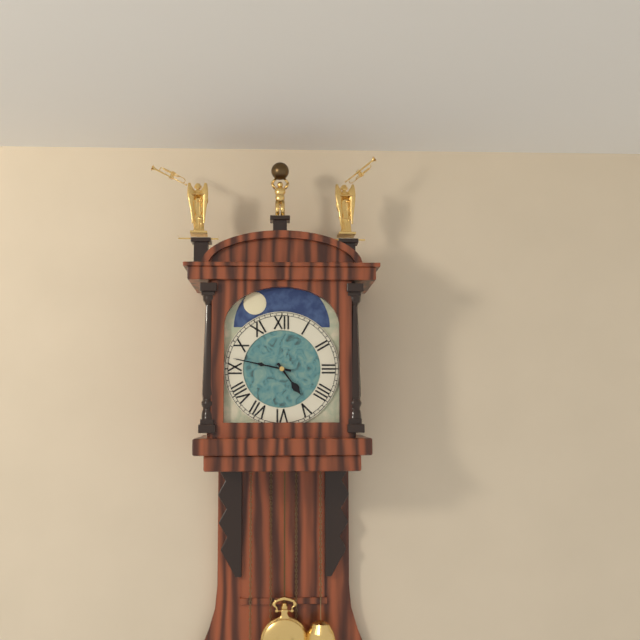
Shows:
{"hour": 4, "minute": 47}
